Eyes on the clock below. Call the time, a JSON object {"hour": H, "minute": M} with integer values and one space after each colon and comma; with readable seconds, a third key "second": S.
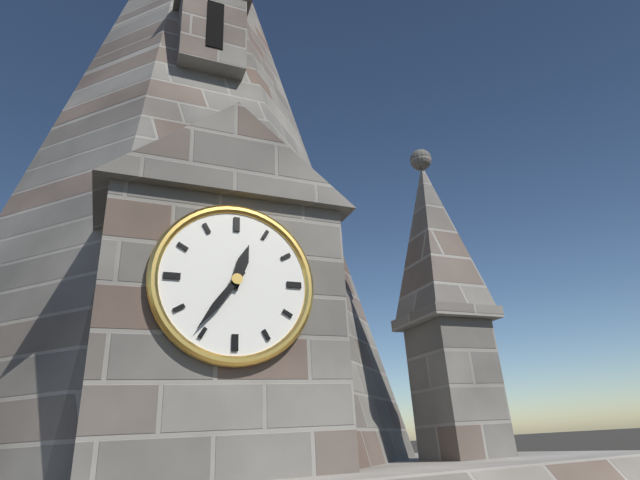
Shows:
{"hour": 12, "minute": 36}
